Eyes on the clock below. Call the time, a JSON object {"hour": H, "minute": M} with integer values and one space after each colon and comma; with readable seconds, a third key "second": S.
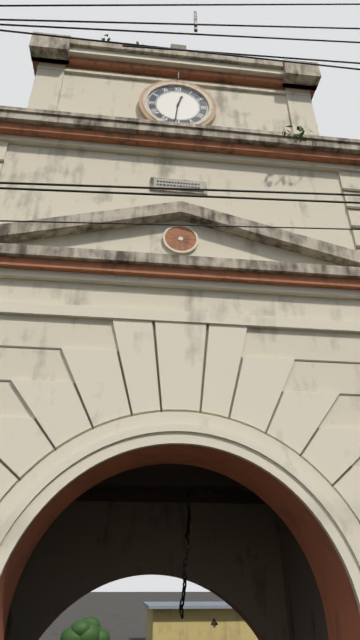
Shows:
{"hour": 12, "minute": 31}
